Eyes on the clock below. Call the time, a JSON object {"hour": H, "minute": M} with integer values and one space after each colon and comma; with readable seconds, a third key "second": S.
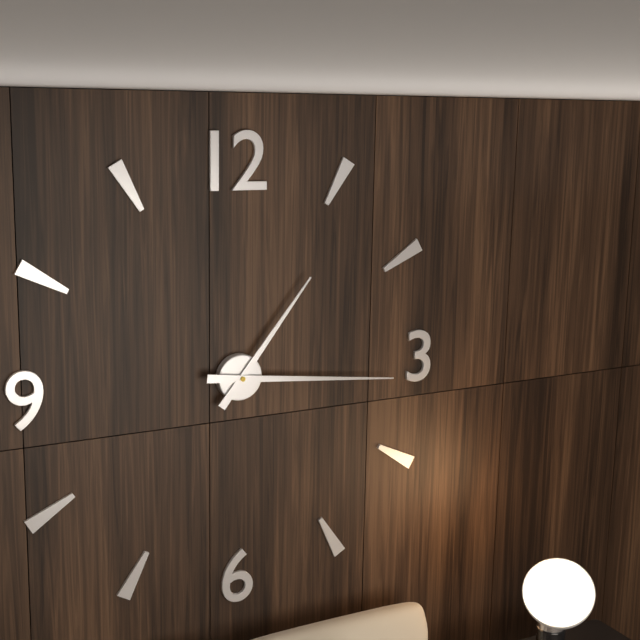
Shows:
{"hour": 1, "minute": 16}
